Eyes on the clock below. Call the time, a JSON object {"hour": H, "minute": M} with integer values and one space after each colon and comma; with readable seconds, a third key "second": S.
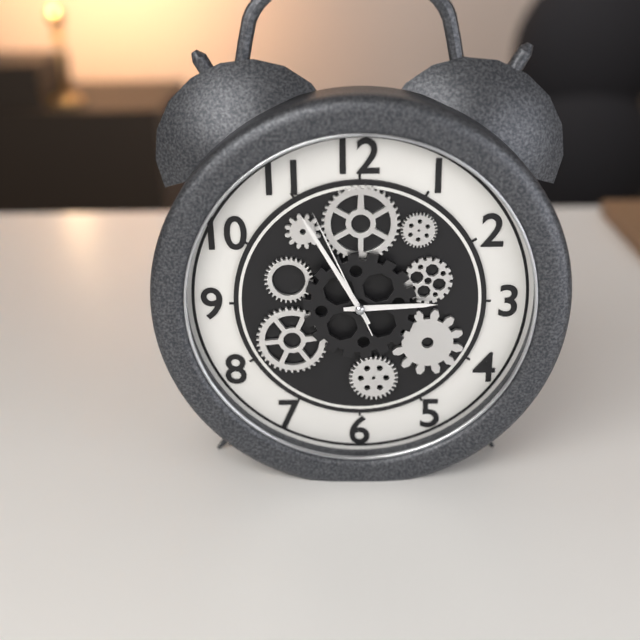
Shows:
{"hour": 2, "minute": 55, "second": 56}
